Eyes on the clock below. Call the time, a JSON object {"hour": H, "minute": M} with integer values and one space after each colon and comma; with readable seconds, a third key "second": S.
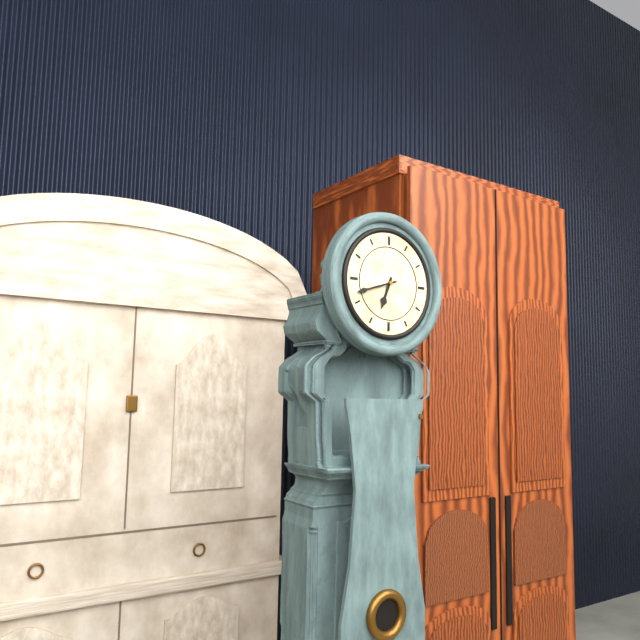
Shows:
{"hour": 6, "minute": 42}
